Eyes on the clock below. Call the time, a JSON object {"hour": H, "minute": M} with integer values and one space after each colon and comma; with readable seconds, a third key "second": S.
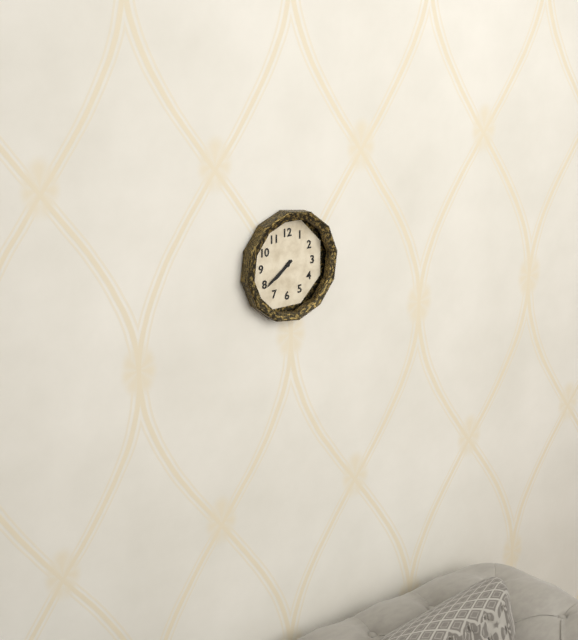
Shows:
{"hour": 7, "minute": 39}
